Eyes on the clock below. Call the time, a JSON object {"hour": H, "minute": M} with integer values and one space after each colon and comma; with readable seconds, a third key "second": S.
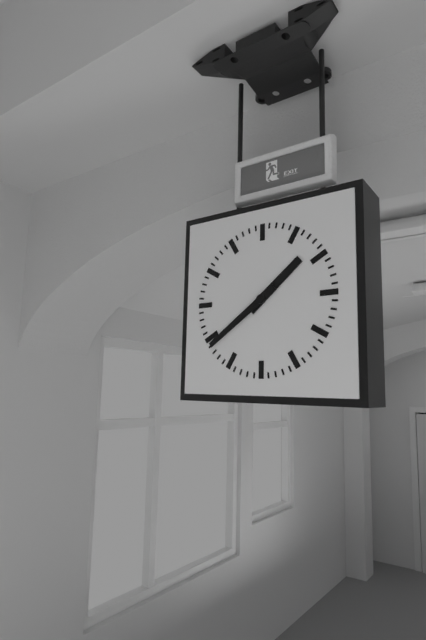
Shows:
{"hour": 1, "minute": 39}
